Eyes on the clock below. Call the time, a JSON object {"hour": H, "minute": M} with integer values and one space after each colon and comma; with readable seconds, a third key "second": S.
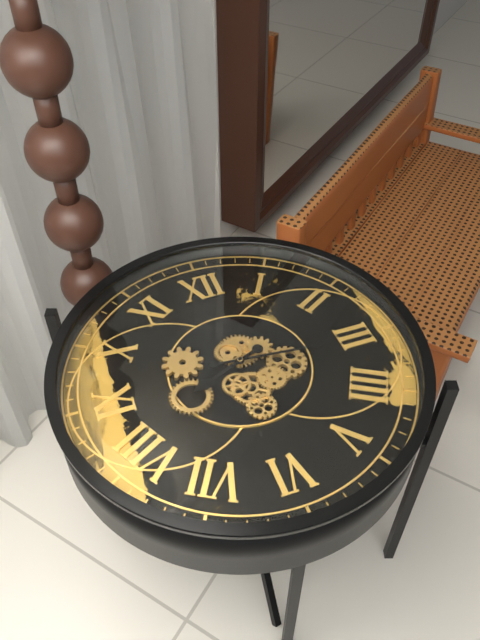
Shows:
{"hour": 8, "minute": 16}
